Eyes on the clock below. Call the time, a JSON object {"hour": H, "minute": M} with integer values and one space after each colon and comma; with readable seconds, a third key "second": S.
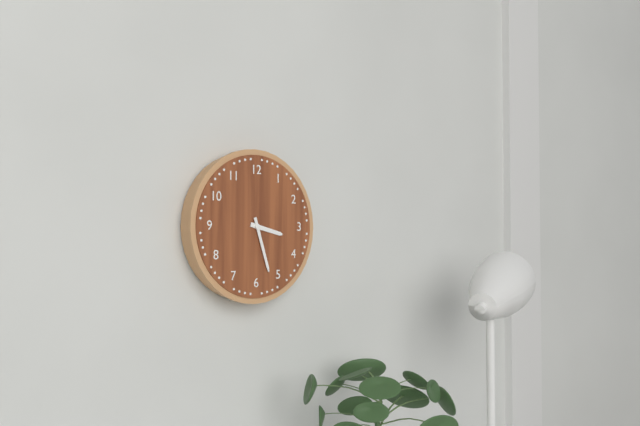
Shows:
{"hour": 3, "minute": 27}
